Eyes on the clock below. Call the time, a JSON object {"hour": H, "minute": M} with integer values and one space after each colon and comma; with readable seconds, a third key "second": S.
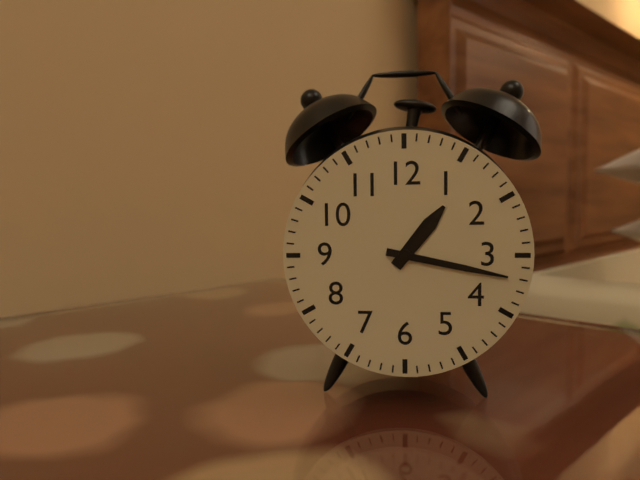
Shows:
{"hour": 1, "minute": 17}
